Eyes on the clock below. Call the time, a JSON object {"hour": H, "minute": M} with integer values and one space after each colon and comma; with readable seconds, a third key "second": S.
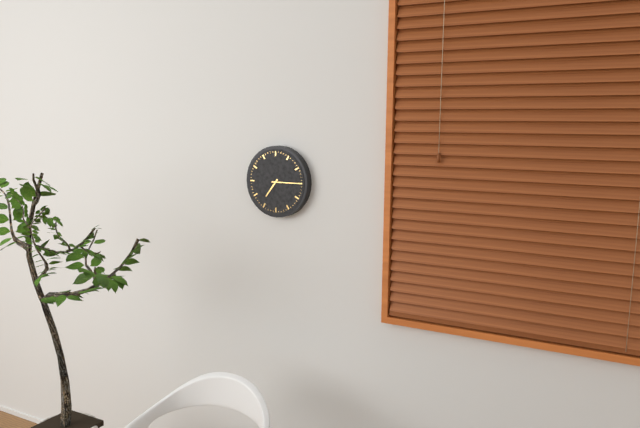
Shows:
{"hour": 7, "minute": 15}
